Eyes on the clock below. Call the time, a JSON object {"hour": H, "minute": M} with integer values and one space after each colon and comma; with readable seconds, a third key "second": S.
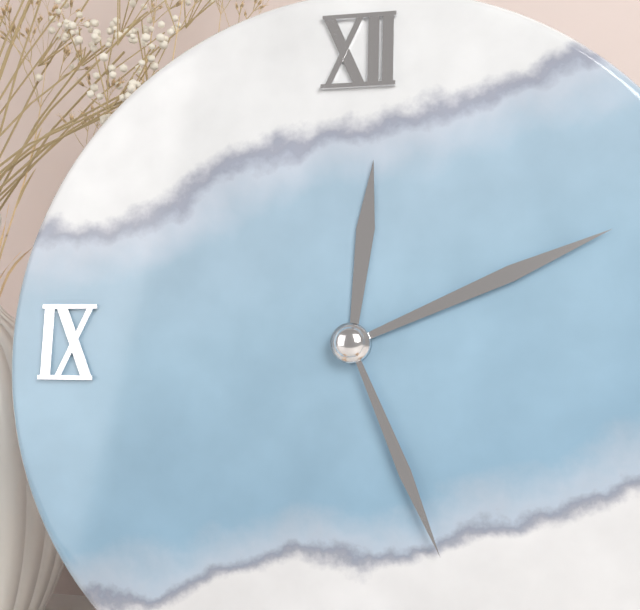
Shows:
{"hour": 12, "minute": 11, "second": 26}
